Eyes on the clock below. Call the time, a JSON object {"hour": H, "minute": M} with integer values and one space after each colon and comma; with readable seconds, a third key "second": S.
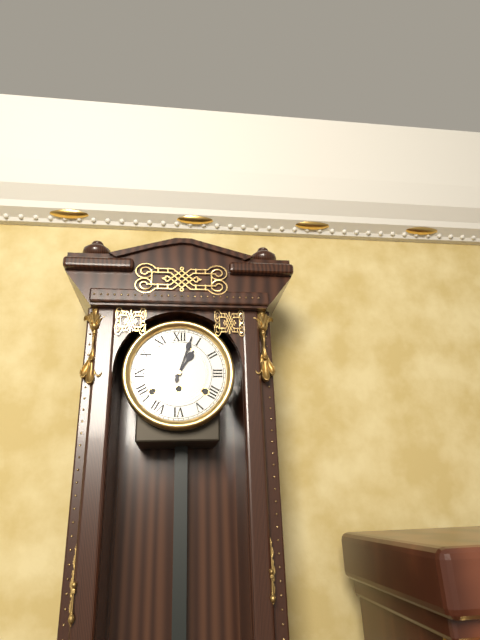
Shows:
{"hour": 1, "minute": 3}
